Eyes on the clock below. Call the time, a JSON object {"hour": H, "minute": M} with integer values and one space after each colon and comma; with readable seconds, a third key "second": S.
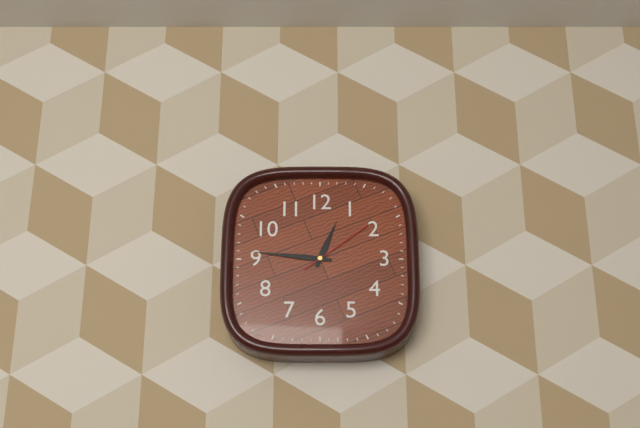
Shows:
{"hour": 12, "minute": 46, "second": 9}
